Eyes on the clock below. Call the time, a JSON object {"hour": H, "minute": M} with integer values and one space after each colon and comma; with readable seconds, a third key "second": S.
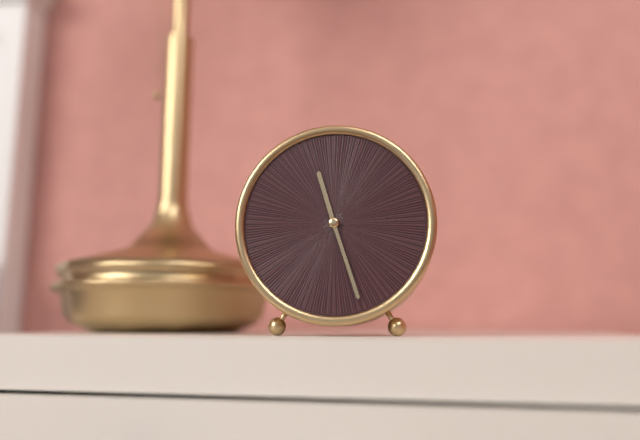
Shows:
{"hour": 11, "minute": 27}
